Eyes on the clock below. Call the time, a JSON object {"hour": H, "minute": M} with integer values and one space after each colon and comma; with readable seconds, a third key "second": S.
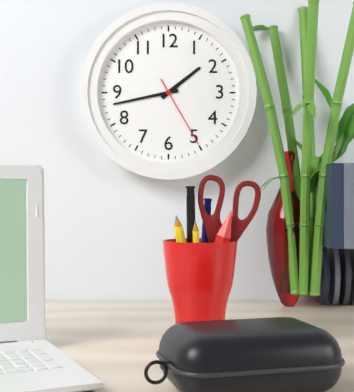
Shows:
{"hour": 1, "minute": 43, "second": 25}
